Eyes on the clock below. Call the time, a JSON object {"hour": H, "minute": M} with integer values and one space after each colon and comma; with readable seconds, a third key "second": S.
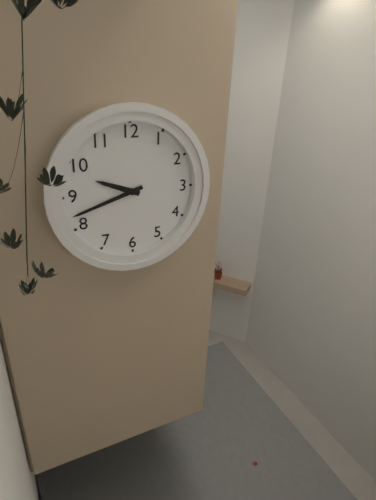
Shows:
{"hour": 9, "minute": 42}
